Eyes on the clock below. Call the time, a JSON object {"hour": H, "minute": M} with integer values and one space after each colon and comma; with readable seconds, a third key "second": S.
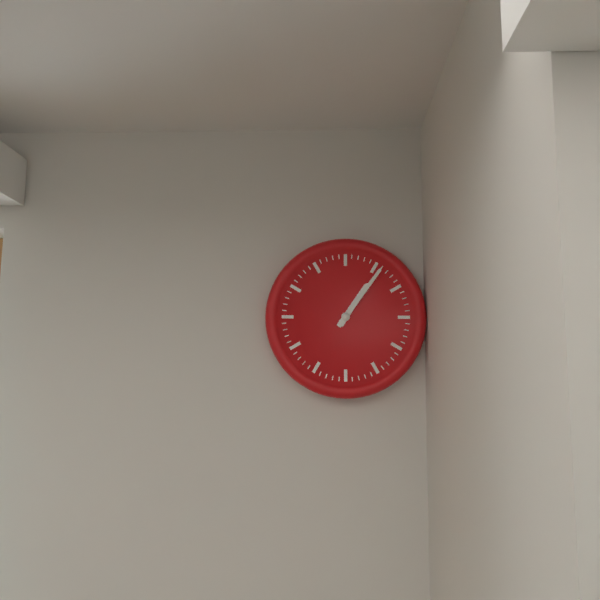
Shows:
{"hour": 1, "minute": 6}
